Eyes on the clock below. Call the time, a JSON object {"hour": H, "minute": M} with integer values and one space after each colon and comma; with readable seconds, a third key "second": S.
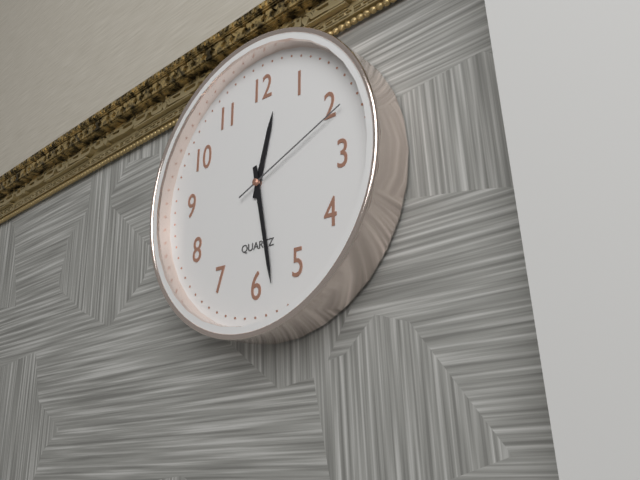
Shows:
{"hour": 12, "minute": 28, "second": 11}
